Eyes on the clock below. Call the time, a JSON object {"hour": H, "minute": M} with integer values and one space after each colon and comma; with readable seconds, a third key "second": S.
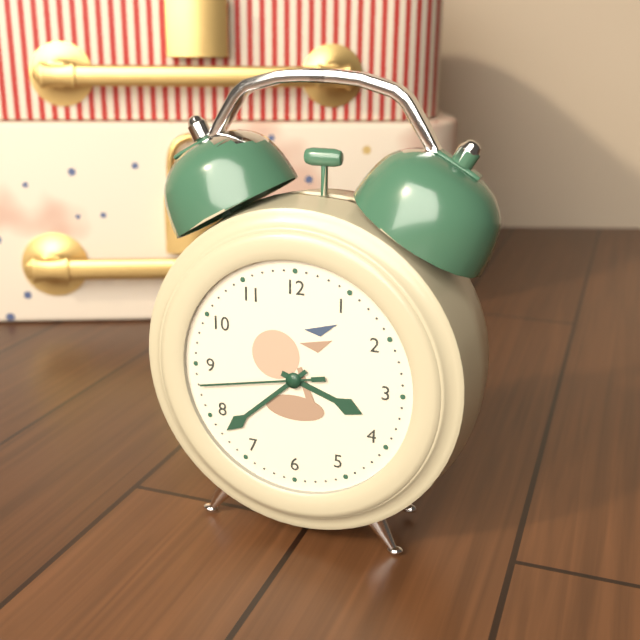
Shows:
{"hour": 3, "minute": 38, "second": 43}
